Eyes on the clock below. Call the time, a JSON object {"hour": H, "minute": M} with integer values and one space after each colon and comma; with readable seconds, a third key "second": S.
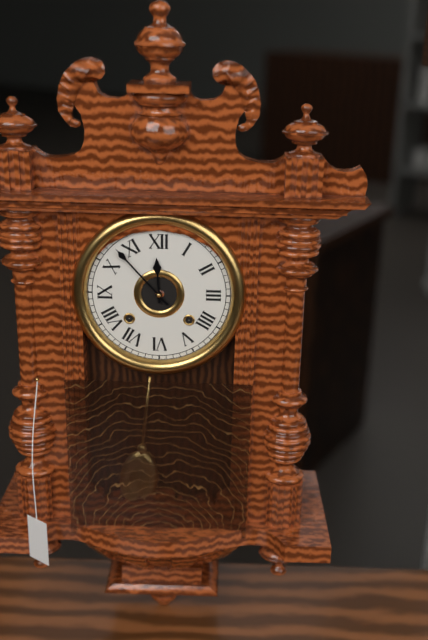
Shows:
{"hour": 11, "minute": 53}
